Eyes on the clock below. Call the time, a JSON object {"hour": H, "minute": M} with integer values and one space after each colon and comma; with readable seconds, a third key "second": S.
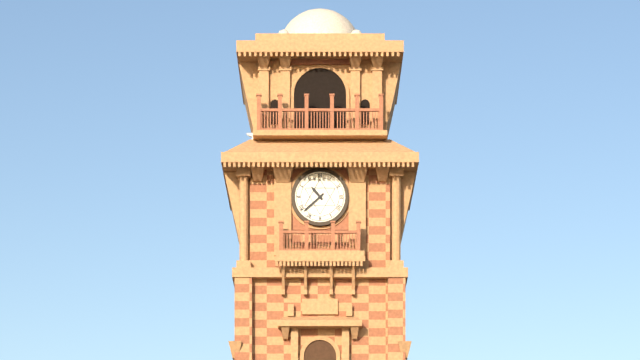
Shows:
{"hour": 10, "minute": 38}
